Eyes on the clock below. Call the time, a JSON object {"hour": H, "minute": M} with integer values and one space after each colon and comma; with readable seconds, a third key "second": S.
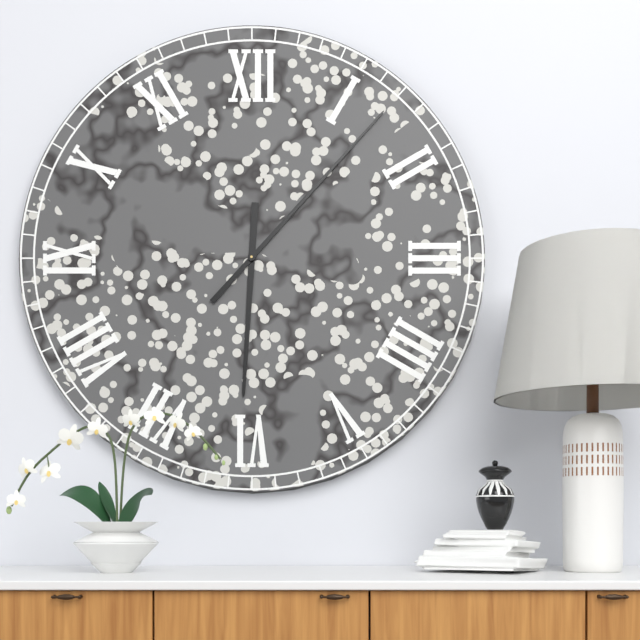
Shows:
{"hour": 6, "minute": 7}
